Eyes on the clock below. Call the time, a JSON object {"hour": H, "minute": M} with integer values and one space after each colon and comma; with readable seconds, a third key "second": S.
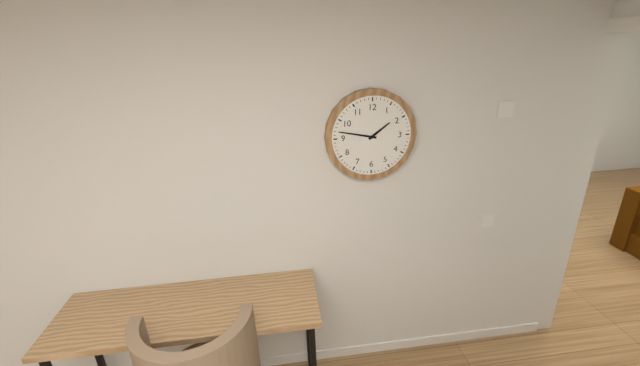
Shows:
{"hour": 1, "minute": 47}
